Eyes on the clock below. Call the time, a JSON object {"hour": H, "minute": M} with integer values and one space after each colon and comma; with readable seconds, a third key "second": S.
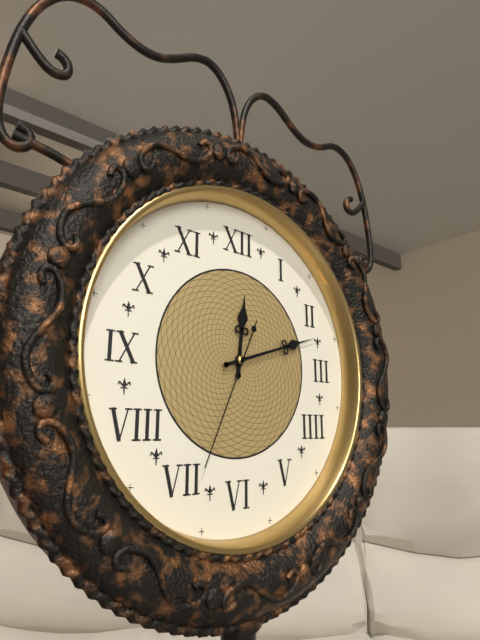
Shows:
{"hour": 12, "minute": 12, "second": 34}
